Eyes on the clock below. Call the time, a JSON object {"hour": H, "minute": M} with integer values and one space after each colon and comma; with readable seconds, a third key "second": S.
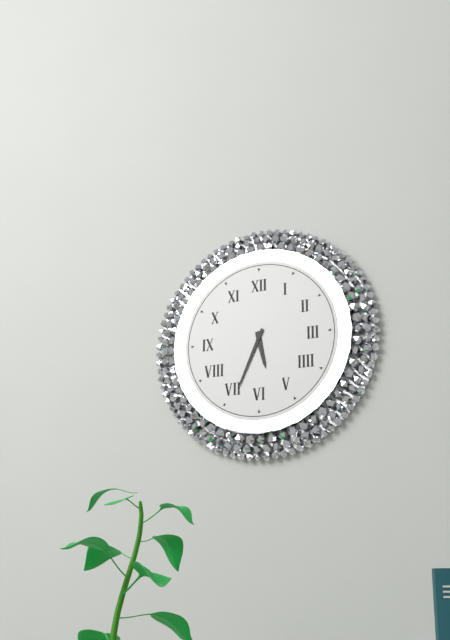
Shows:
{"hour": 5, "minute": 34}
